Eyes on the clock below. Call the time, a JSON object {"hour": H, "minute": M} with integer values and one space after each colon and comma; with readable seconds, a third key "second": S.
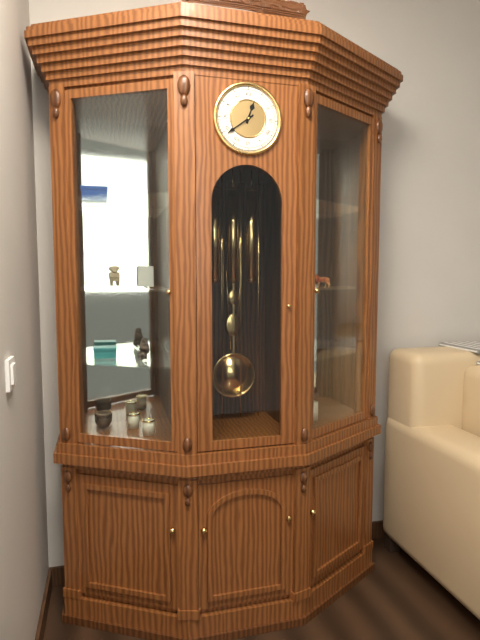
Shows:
{"hour": 12, "minute": 39}
